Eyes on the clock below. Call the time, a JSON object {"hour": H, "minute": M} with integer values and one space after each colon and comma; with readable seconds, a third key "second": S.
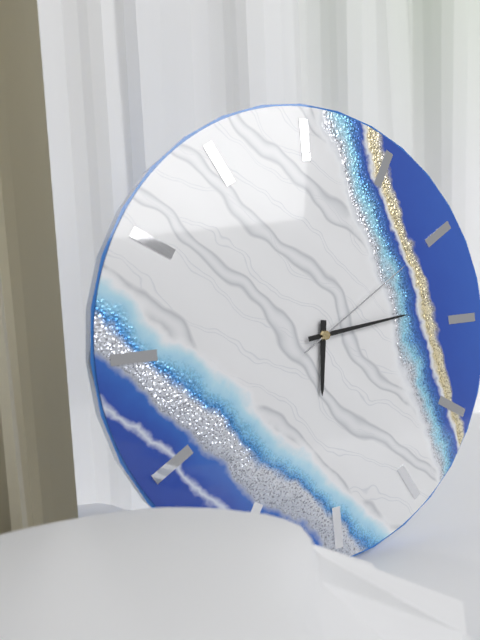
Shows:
{"hour": 6, "minute": 14, "second": 10}
